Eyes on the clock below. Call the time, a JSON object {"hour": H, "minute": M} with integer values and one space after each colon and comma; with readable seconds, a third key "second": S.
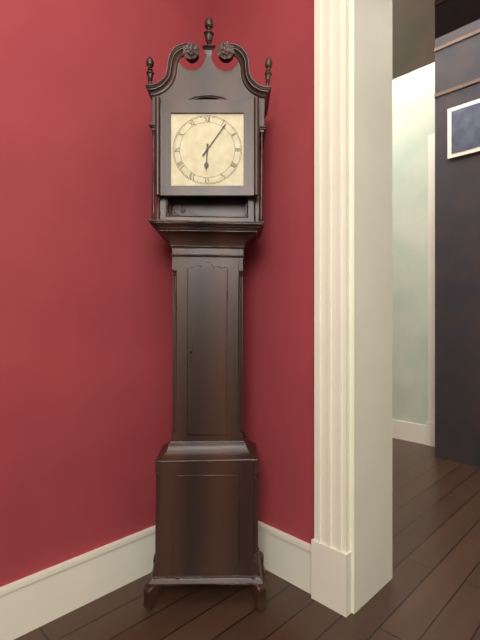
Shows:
{"hour": 6, "minute": 6}
